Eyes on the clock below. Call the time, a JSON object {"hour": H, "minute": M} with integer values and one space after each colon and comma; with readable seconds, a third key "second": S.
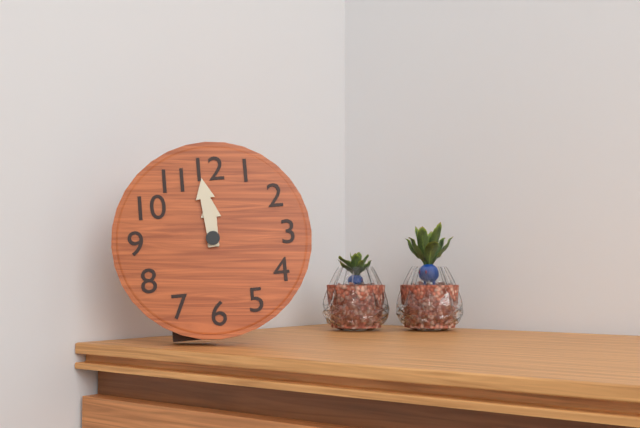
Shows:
{"hour": 11, "minute": 59}
